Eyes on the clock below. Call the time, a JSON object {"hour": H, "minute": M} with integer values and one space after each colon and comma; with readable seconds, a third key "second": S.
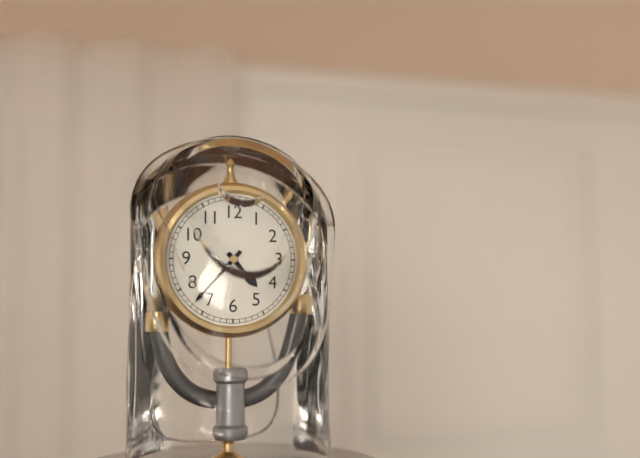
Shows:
{"hour": 4, "minute": 37}
